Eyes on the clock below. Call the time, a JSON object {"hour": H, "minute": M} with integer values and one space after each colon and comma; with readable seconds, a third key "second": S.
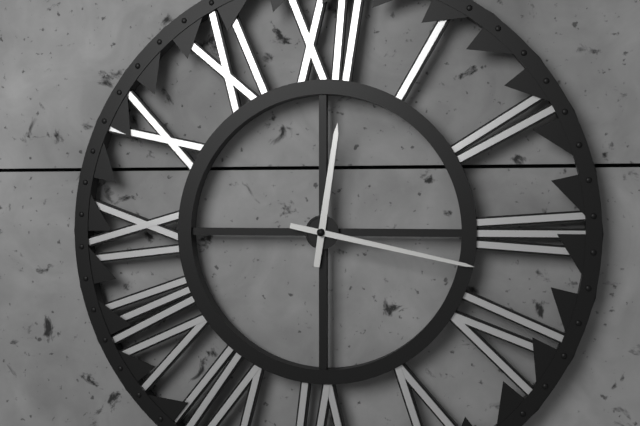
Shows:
{"hour": 12, "minute": 17}
